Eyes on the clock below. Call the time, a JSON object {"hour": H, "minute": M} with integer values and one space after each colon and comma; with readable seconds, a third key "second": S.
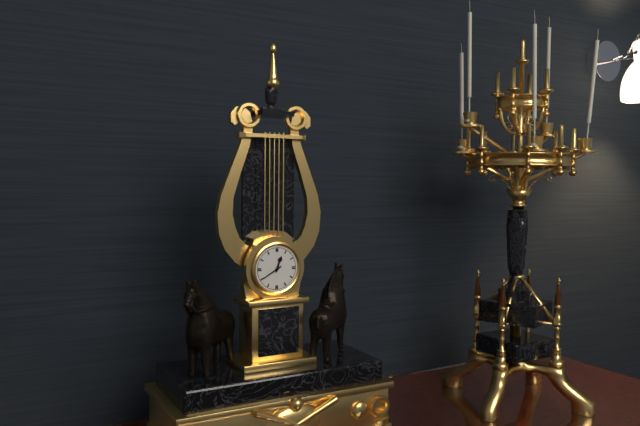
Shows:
{"hour": 12, "minute": 40}
